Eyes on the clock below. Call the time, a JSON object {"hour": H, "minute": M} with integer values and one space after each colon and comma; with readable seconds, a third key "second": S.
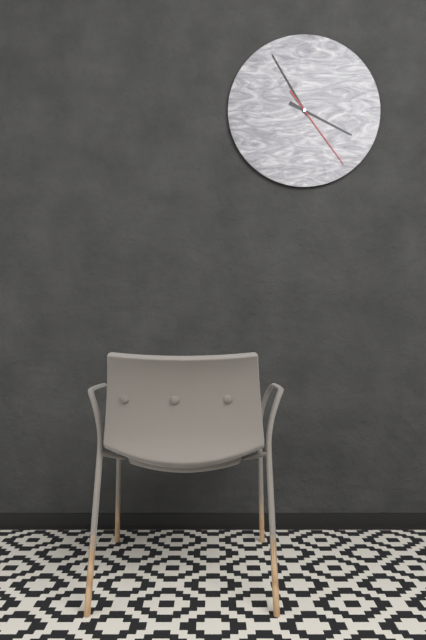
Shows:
{"hour": 3, "minute": 55, "second": 24}
